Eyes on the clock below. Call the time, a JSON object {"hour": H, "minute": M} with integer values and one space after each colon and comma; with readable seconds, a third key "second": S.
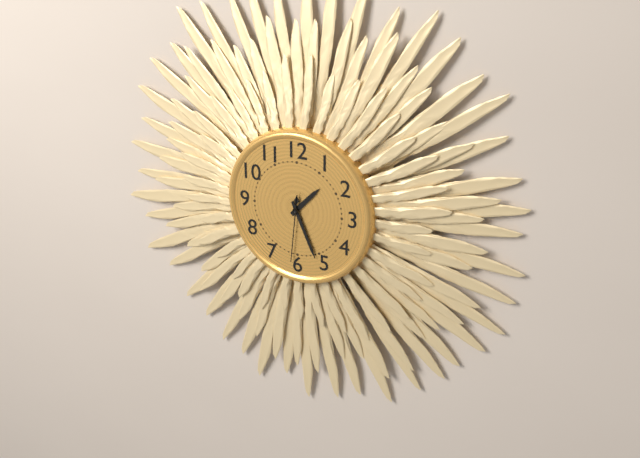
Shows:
{"hour": 1, "minute": 26, "second": 31}
